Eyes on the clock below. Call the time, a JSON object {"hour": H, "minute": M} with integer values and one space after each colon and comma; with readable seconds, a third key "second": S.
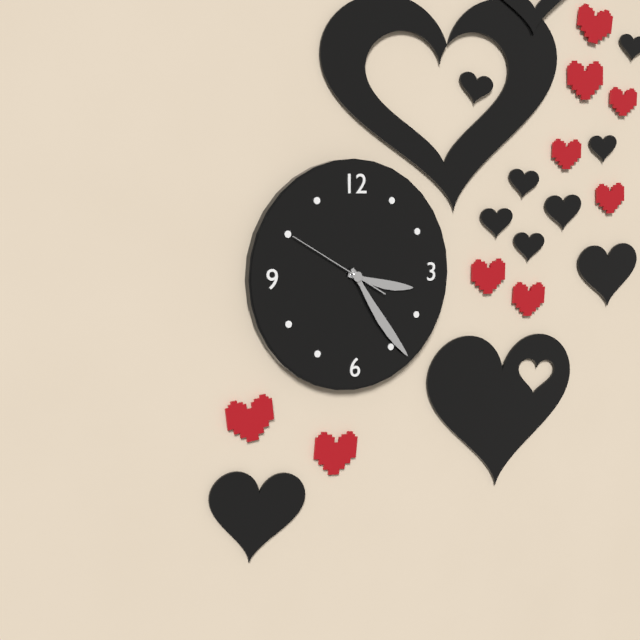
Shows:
{"hour": 3, "minute": 24, "second": 50}
